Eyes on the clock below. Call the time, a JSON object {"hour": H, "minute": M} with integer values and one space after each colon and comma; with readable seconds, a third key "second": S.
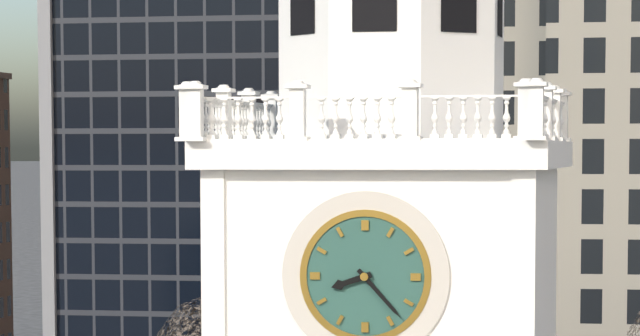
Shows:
{"hour": 8, "minute": 23}
